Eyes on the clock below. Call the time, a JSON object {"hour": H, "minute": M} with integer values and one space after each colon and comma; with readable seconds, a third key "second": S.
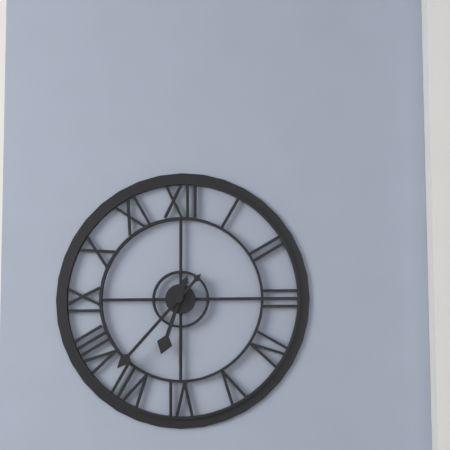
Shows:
{"hour": 6, "minute": 37}
